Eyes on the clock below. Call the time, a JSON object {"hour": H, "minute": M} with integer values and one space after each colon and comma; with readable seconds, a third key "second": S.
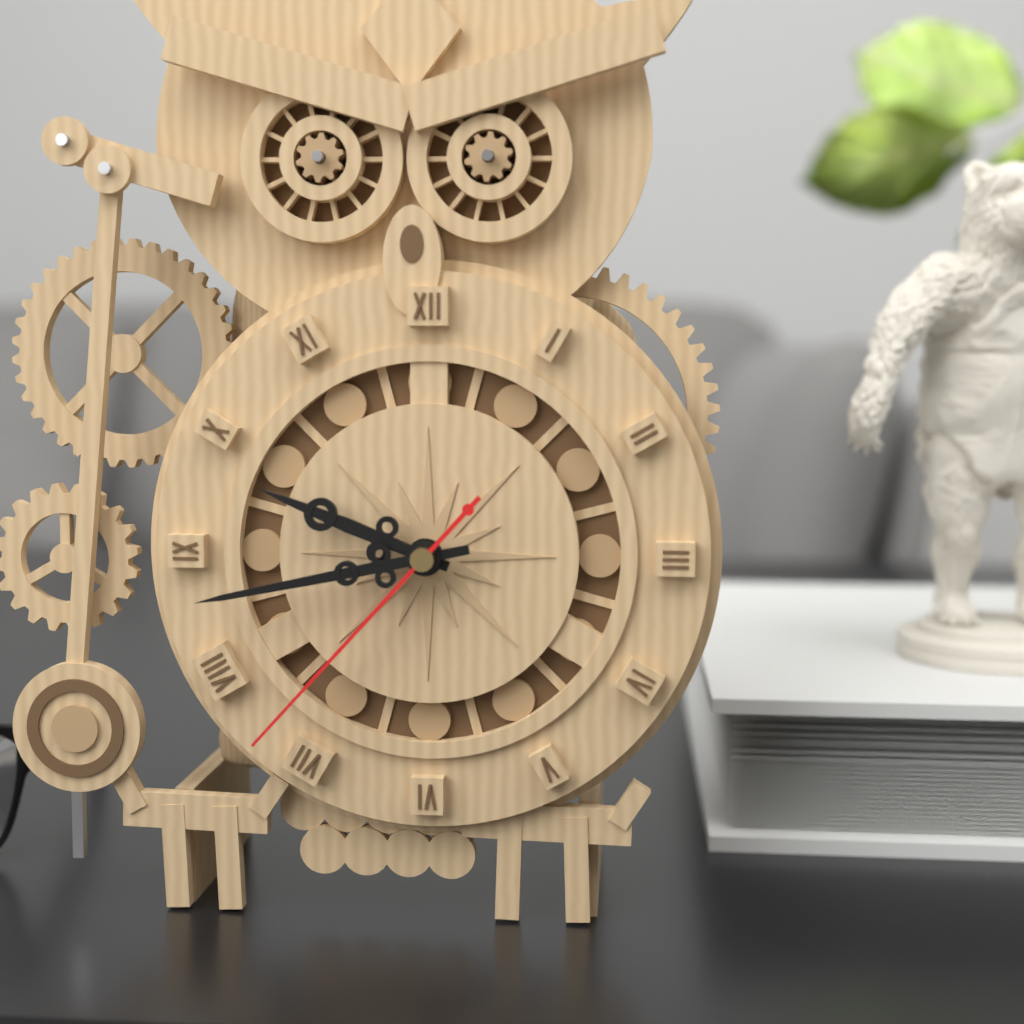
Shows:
{"hour": 9, "minute": 43, "second": 37}
